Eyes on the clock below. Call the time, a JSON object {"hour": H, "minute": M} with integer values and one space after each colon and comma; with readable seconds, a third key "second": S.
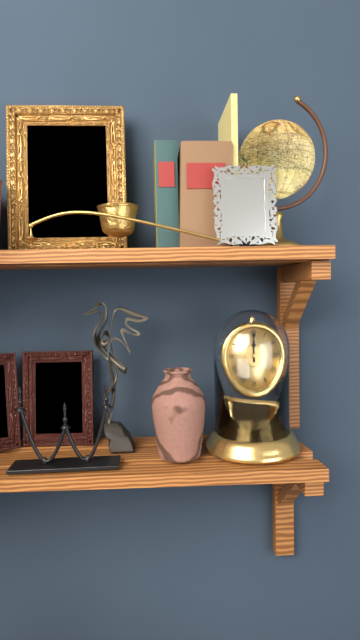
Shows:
{"hour": 12, "minute": 0}
